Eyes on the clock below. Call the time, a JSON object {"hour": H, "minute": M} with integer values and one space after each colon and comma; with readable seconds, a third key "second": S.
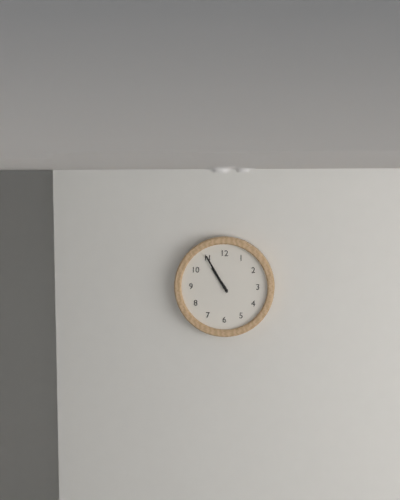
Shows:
{"hour": 10, "minute": 55}
